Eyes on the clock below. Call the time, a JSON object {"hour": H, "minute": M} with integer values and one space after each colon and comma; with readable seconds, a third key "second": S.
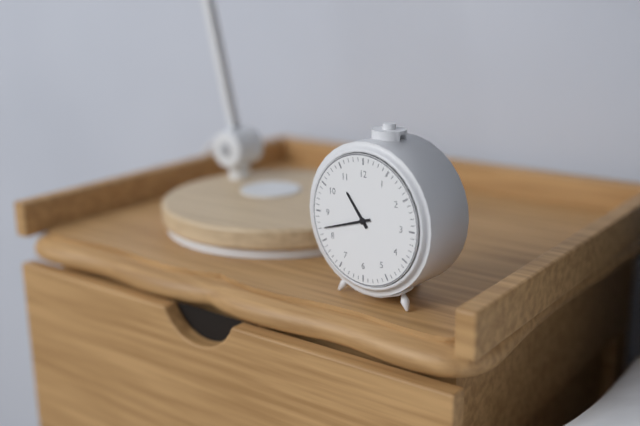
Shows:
{"hour": 10, "minute": 42}
